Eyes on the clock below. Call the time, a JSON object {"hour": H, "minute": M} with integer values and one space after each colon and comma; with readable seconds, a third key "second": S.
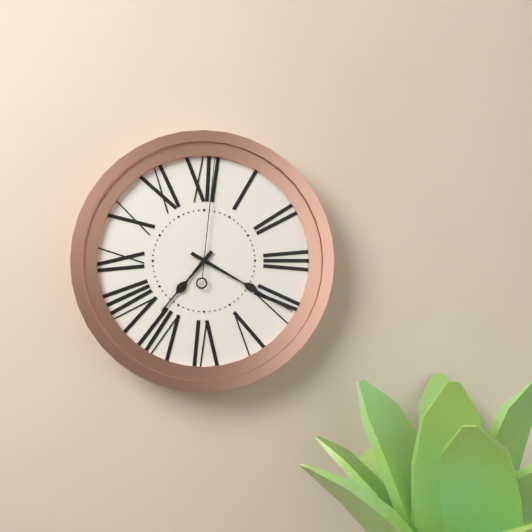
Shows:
{"hour": 7, "minute": 20, "second": 1}
